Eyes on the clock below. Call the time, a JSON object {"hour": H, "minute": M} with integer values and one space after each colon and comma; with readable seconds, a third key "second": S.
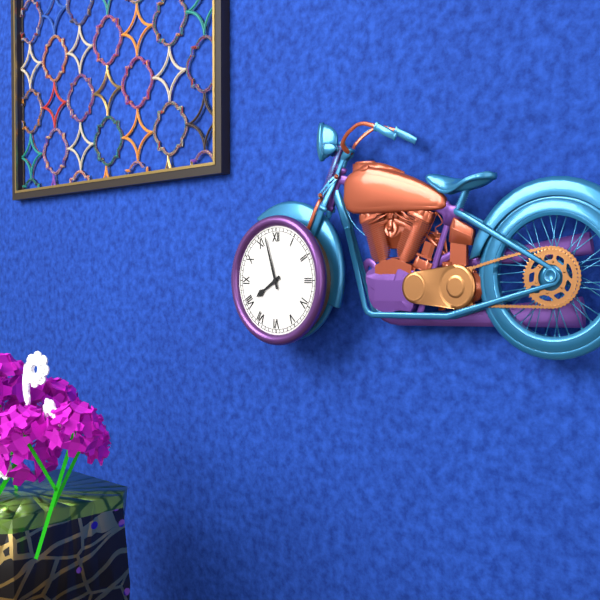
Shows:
{"hour": 7, "minute": 57}
